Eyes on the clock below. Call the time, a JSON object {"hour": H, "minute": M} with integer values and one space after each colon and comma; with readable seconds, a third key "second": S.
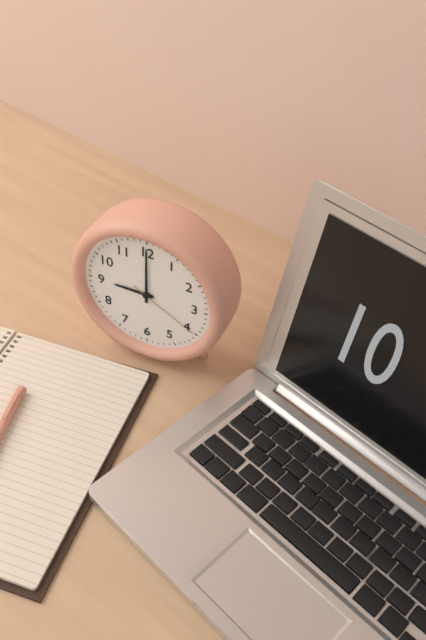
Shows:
{"hour": 9, "minute": 0, "second": 20}
